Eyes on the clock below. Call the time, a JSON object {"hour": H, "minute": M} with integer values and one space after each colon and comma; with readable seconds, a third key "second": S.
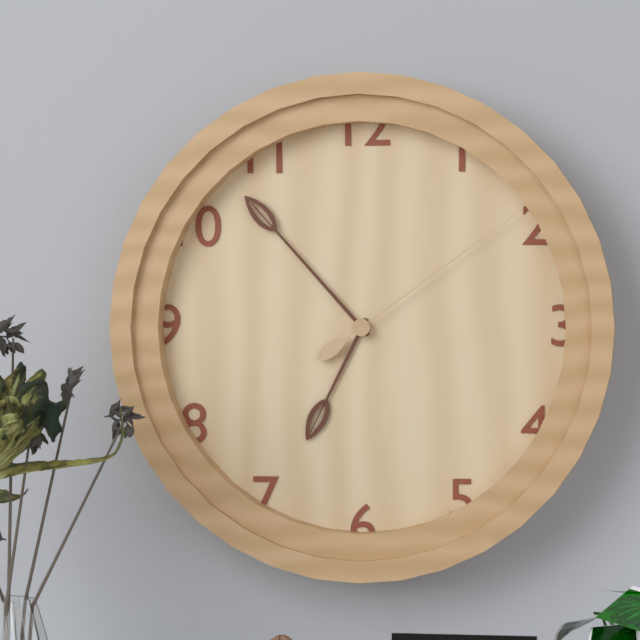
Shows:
{"hour": 6, "minute": 53, "second": 9}
